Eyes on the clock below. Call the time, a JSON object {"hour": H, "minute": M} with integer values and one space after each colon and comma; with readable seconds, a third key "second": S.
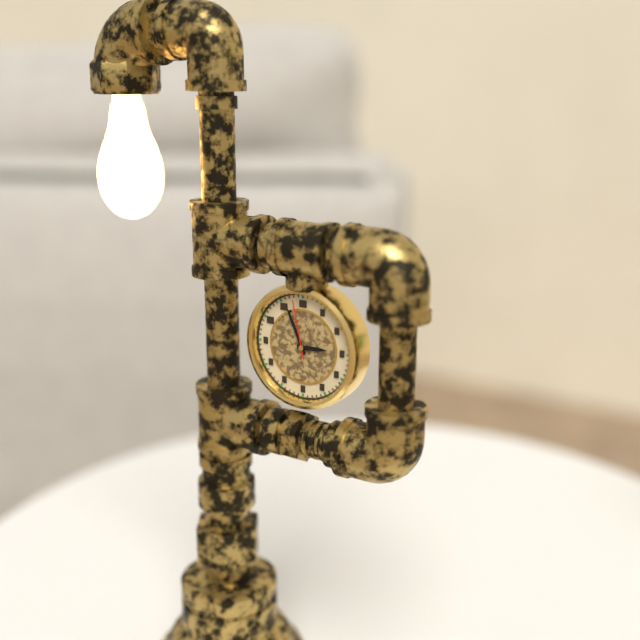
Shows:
{"hour": 2, "minute": 56, "second": 58}
